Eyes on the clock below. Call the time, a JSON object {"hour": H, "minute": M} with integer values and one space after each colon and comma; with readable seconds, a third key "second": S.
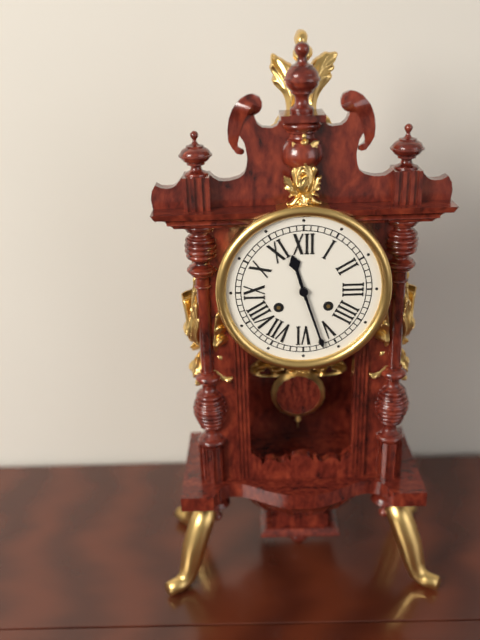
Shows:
{"hour": 11, "minute": 27}
